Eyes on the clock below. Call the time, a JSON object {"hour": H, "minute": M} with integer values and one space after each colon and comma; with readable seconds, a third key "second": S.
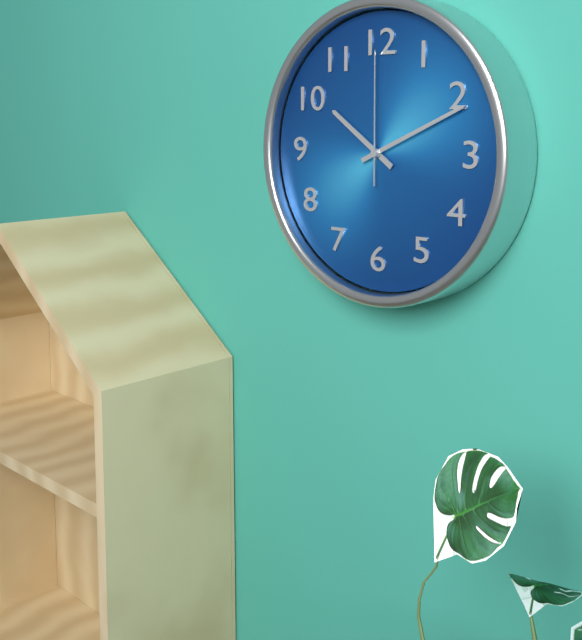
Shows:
{"hour": 10, "minute": 11, "second": 0}
